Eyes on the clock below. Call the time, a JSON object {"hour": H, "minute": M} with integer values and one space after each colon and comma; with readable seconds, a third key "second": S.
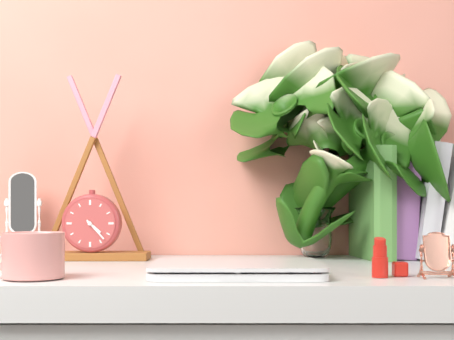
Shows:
{"hour": 4, "minute": 23}
